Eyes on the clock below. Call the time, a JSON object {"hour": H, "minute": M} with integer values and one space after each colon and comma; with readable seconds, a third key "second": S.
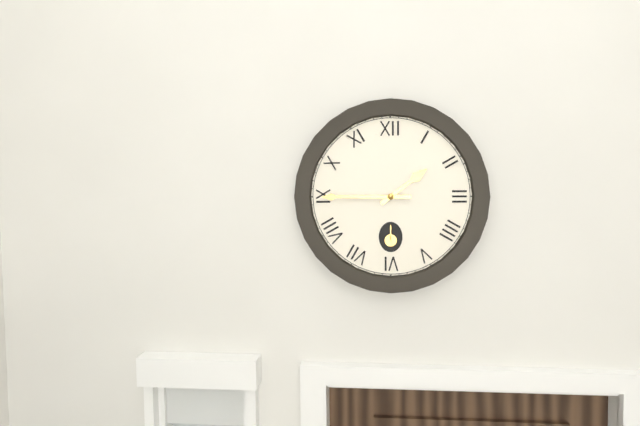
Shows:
{"hour": 1, "minute": 45}
